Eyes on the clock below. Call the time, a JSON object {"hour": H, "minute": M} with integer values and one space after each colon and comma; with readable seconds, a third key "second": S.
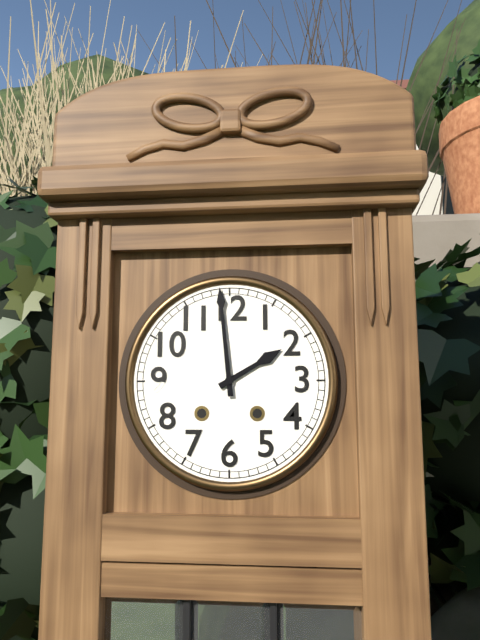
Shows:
{"hour": 1, "minute": 59}
